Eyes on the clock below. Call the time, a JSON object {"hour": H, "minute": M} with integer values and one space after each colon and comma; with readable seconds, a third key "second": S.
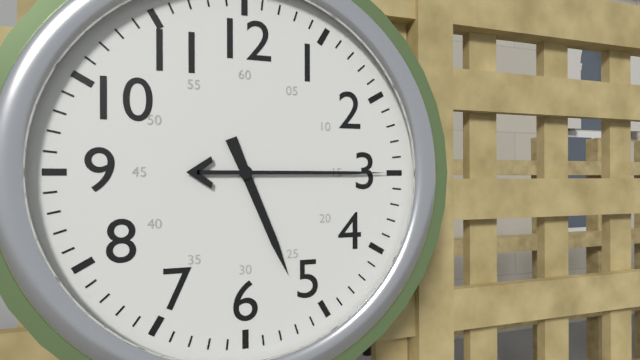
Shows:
{"hour": 5, "minute": 15}
